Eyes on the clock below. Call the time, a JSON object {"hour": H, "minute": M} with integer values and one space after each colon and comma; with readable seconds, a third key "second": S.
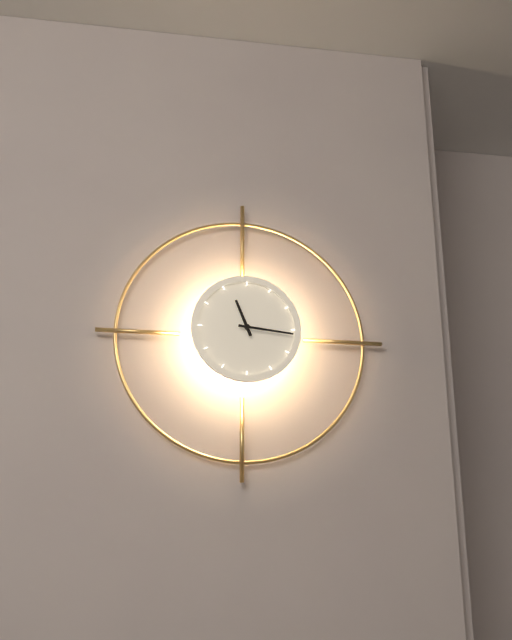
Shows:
{"hour": 11, "minute": 16}
